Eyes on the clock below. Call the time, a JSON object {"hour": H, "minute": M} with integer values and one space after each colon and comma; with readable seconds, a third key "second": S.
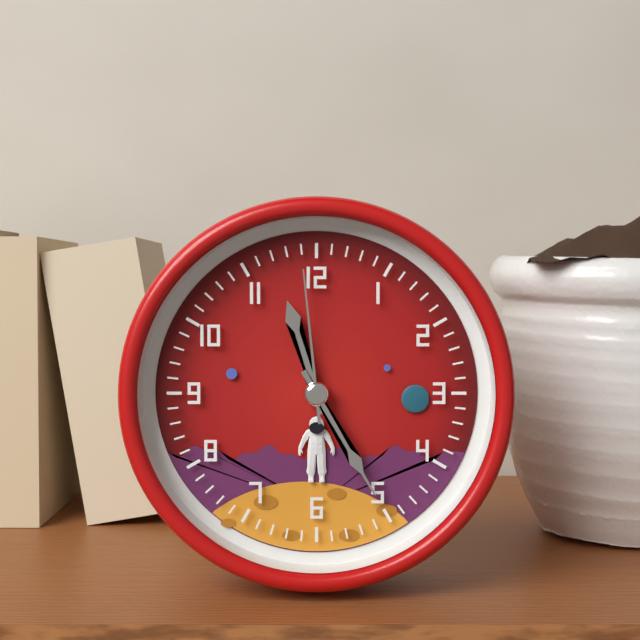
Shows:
{"hour": 11, "minute": 25, "second": 59}
